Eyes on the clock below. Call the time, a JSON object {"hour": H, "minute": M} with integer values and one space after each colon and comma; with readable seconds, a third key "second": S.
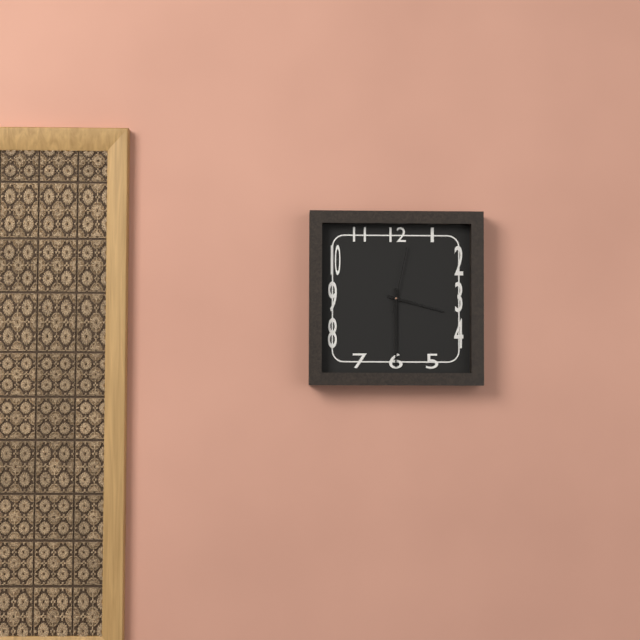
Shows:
{"hour": 3, "minute": 30, "second": 2}
